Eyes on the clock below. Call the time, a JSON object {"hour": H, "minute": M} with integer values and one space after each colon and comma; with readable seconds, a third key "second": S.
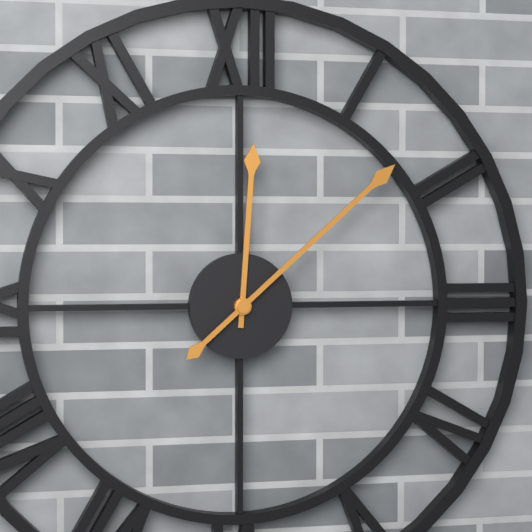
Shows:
{"hour": 12, "minute": 8}
